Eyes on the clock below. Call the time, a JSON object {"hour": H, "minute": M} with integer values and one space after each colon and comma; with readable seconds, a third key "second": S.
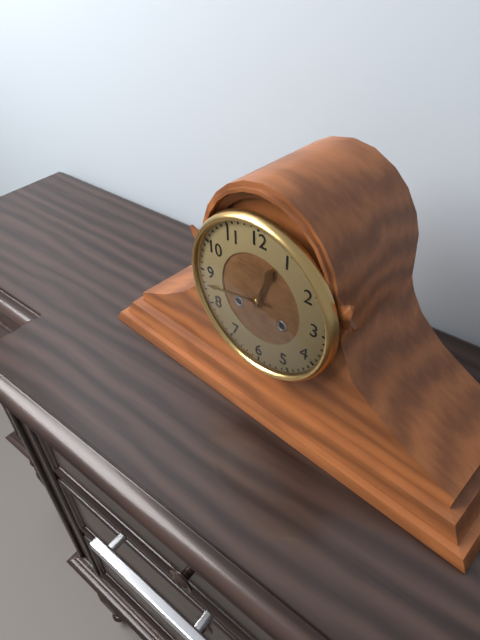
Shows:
{"hour": 12, "minute": 43}
